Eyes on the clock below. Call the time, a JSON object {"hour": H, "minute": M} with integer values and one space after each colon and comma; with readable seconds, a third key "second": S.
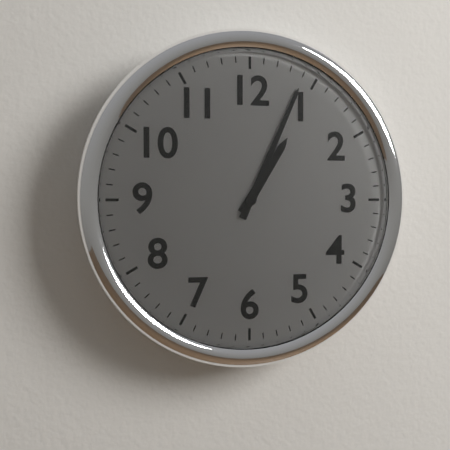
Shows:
{"hour": 1, "minute": 4}
